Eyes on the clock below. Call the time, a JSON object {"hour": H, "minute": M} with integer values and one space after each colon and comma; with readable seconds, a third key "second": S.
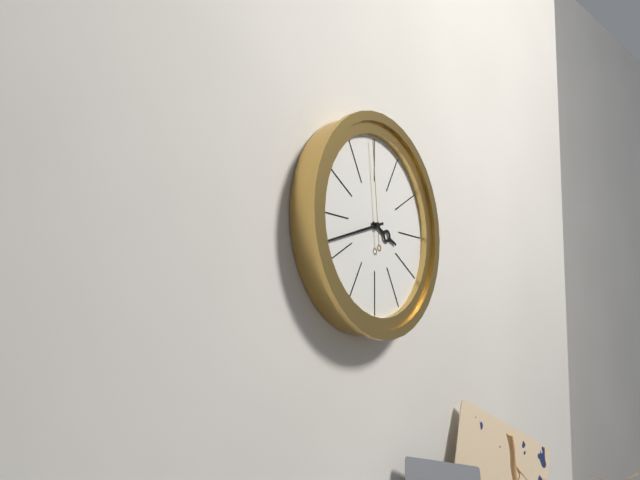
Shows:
{"hour": 3, "minute": 42, "second": 59}
